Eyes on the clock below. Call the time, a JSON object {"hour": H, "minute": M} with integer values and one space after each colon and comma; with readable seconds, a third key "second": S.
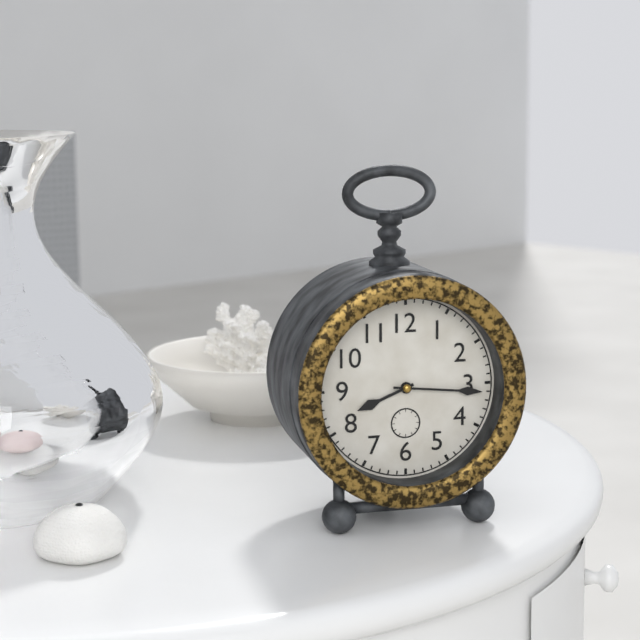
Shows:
{"hour": 8, "minute": 16}
